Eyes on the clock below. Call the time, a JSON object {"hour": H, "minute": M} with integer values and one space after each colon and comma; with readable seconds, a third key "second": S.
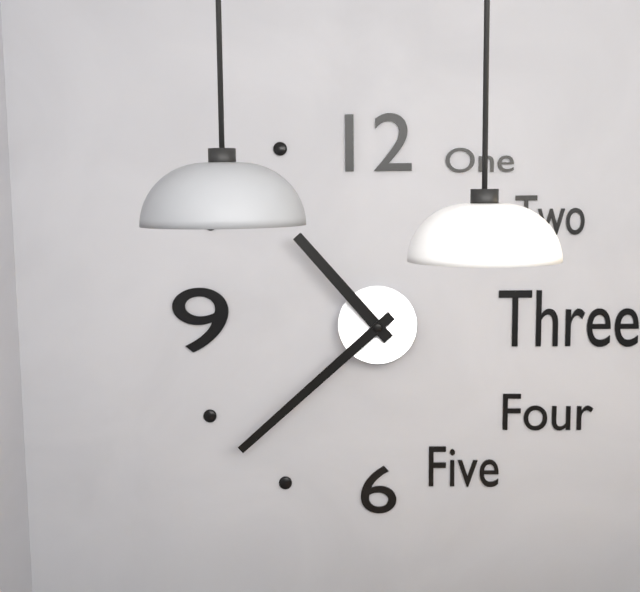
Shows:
{"hour": 10, "minute": 38}
